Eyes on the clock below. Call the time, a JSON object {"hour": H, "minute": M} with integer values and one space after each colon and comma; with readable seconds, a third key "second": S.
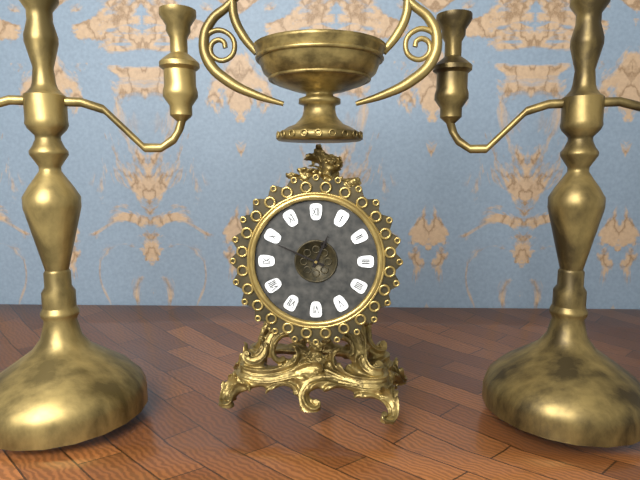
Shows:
{"hour": 12, "minute": 49}
